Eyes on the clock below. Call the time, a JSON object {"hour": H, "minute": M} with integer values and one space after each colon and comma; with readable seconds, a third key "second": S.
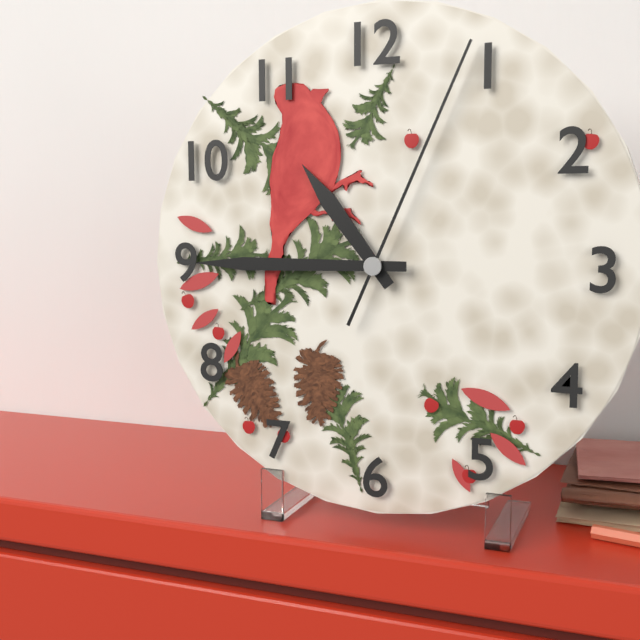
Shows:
{"hour": 10, "minute": 45, "second": 4}
